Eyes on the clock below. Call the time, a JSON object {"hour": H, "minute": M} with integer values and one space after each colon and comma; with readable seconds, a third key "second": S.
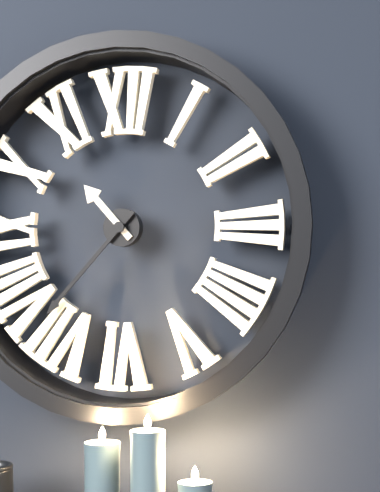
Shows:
{"hour": 10, "minute": 37}
